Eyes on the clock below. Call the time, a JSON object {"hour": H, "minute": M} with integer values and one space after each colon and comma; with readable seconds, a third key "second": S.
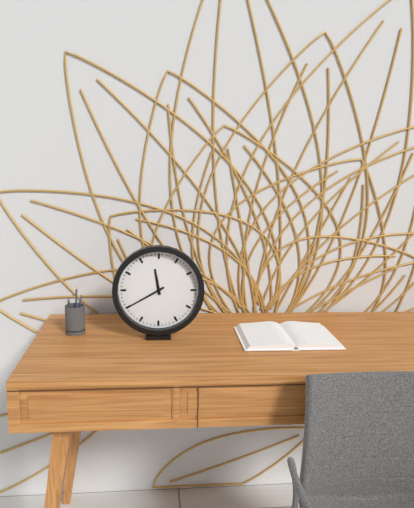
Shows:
{"hour": 11, "minute": 40}
